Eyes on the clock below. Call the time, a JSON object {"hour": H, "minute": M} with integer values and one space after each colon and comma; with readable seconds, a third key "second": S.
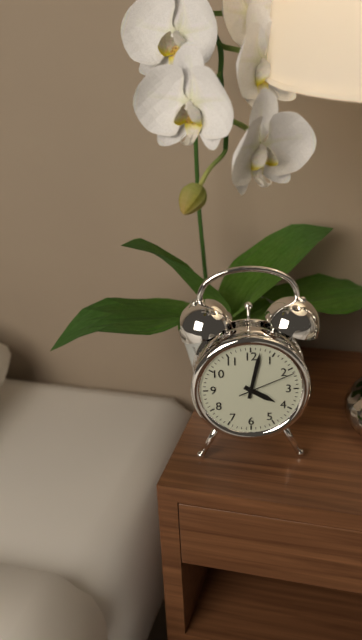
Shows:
{"hour": 4, "minute": 2, "second": 11}
